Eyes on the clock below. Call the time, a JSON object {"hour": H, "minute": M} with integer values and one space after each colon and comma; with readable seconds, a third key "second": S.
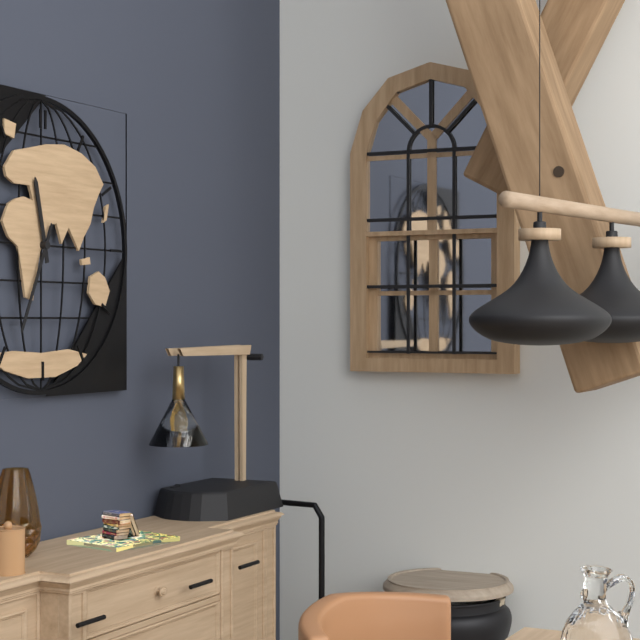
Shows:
{"hour": 11, "minute": 34}
